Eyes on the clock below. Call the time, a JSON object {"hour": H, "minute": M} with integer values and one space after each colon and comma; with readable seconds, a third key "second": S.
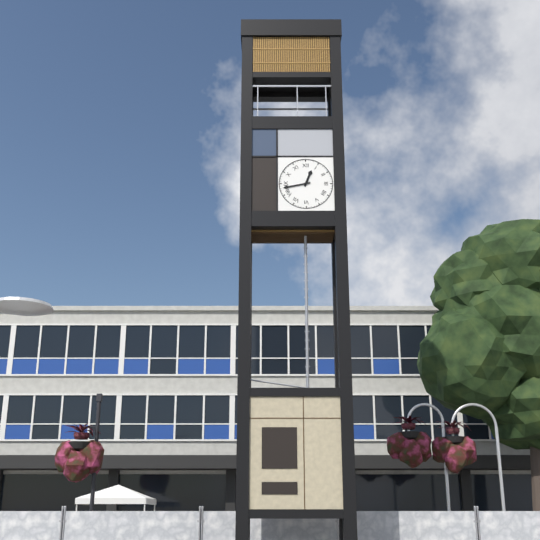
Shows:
{"hour": 12, "minute": 43}
